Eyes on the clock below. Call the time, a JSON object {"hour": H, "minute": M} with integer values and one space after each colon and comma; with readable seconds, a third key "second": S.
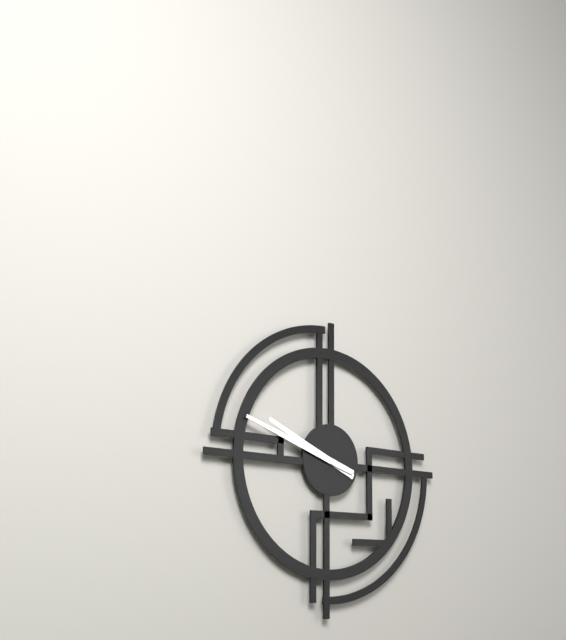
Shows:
{"hour": 9, "minute": 48}
